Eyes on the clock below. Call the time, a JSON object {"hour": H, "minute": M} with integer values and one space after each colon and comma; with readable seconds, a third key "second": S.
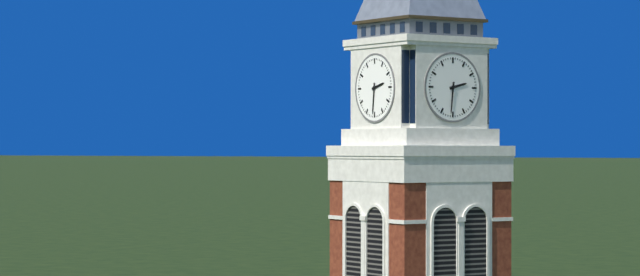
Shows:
{"hour": 2, "minute": 31}
